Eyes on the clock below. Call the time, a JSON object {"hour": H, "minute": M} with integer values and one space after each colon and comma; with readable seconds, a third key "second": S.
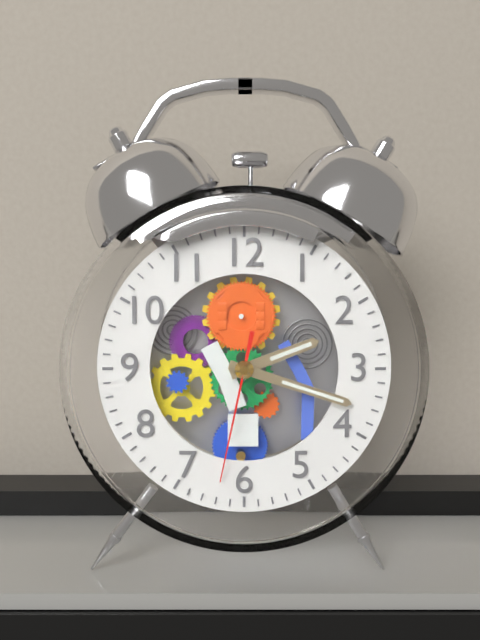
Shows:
{"hour": 2, "minute": 18, "second": 32}
